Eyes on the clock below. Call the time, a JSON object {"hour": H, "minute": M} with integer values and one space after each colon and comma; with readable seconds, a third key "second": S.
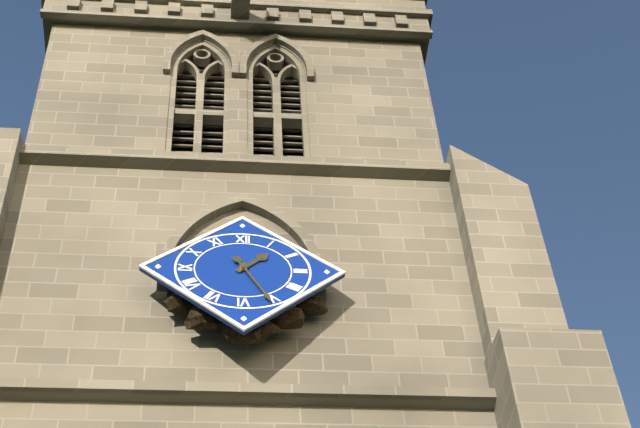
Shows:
{"hour": 1, "minute": 26}
